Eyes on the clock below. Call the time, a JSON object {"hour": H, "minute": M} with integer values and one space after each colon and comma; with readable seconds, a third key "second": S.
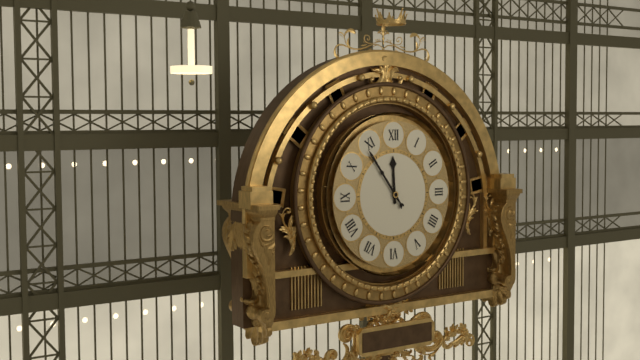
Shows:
{"hour": 11, "minute": 54}
